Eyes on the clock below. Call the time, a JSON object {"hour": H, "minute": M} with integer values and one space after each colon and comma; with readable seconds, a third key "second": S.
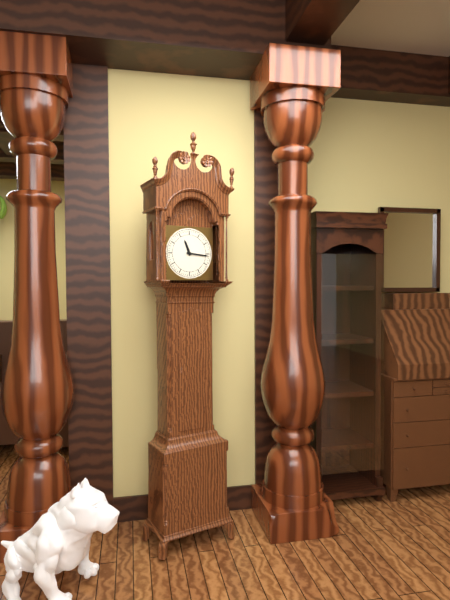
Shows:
{"hour": 11, "minute": 16}
